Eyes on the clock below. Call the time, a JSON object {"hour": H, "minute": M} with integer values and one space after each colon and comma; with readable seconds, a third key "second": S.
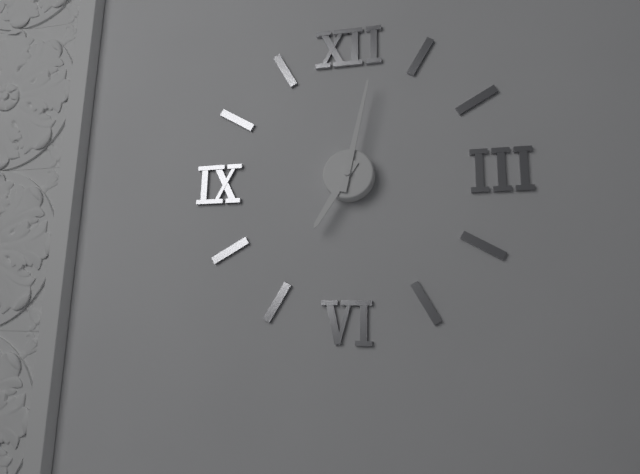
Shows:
{"hour": 7, "minute": 2}
